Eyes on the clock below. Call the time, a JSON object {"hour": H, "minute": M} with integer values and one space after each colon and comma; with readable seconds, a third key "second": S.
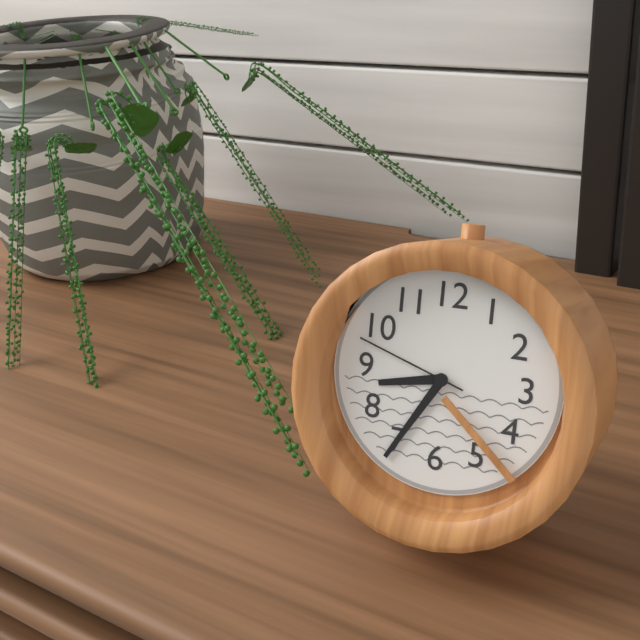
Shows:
{"hour": 8, "minute": 35, "second": 48}
